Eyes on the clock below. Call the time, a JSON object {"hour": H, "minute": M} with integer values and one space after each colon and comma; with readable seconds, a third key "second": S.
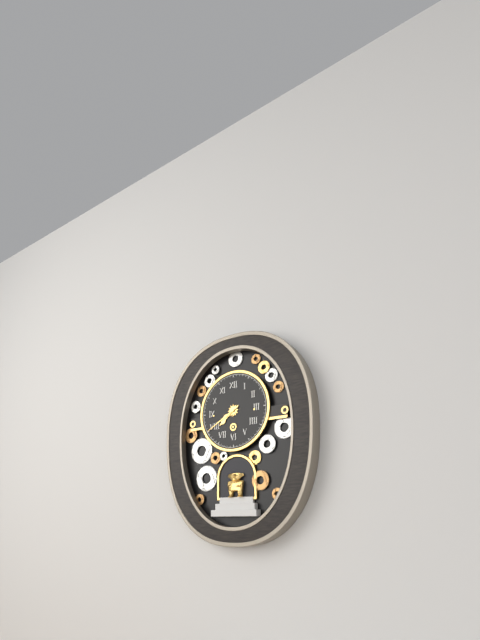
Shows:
{"hour": 7, "minute": 40}
